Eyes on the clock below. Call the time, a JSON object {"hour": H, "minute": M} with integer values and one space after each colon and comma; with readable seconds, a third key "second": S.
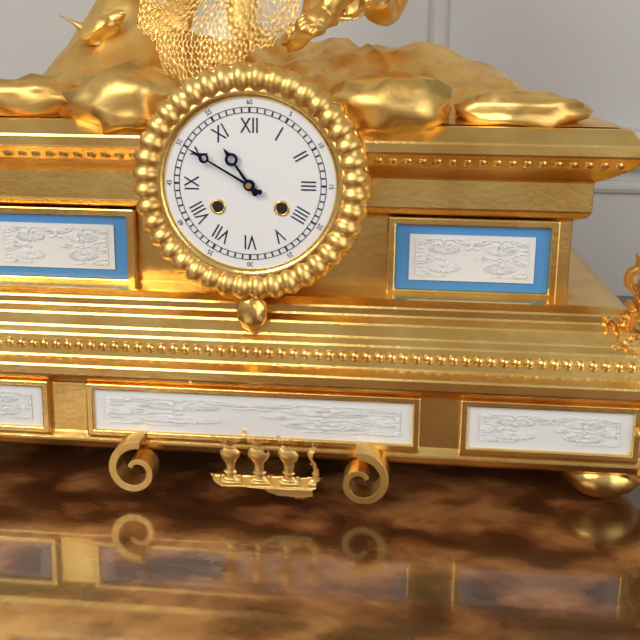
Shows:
{"hour": 10, "minute": 50}
